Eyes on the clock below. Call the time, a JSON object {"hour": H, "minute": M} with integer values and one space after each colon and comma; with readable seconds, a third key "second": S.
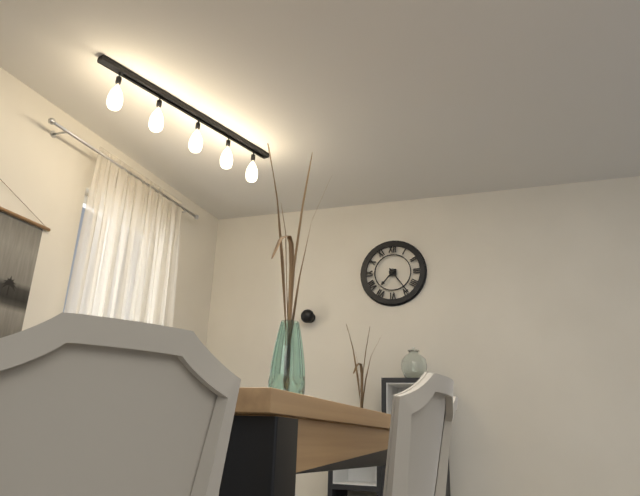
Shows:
{"hour": 7, "minute": 24}
